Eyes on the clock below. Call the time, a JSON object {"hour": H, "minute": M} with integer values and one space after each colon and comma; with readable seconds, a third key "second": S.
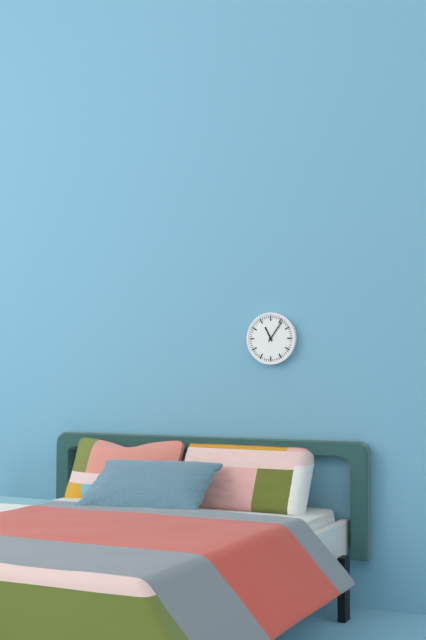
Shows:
{"hour": 11, "minute": 6}
